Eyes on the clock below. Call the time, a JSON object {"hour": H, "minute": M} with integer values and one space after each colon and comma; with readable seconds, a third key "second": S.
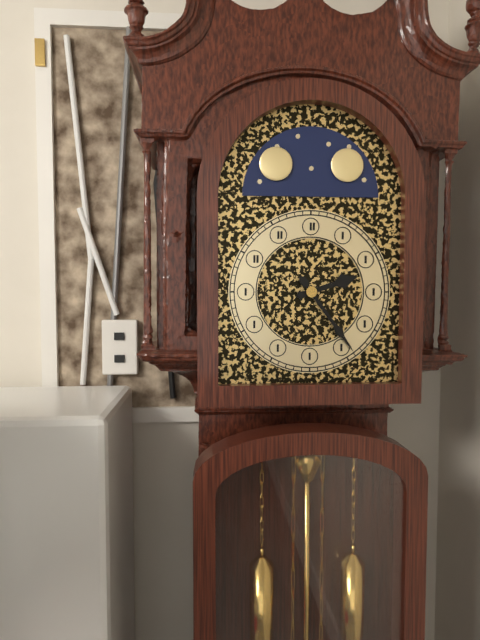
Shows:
{"hour": 2, "minute": 24}
